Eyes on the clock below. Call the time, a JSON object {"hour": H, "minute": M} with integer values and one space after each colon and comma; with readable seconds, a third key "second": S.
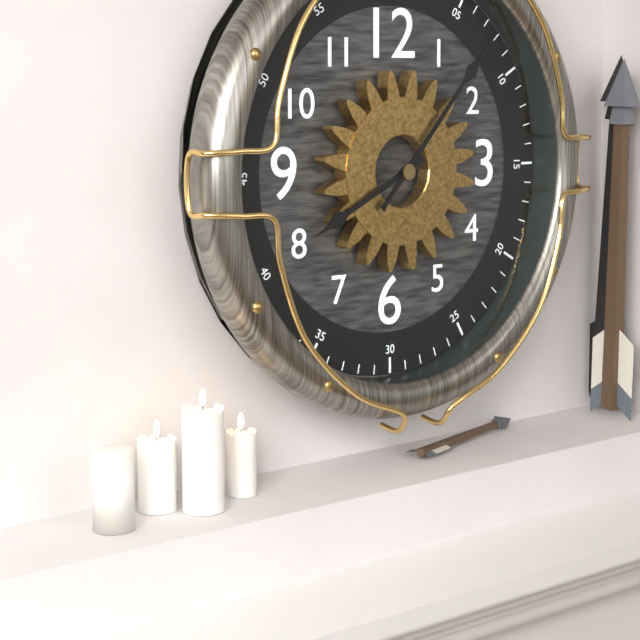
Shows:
{"hour": 8, "minute": 7}
